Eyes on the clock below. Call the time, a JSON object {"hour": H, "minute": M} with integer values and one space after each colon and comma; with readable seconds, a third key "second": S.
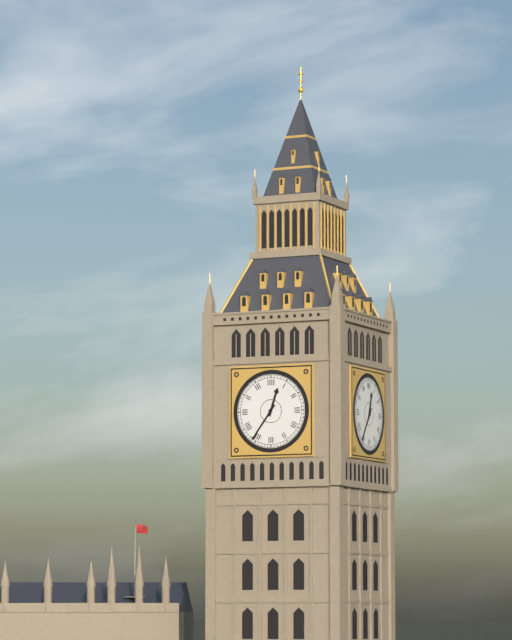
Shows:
{"hour": 12, "minute": 36}
